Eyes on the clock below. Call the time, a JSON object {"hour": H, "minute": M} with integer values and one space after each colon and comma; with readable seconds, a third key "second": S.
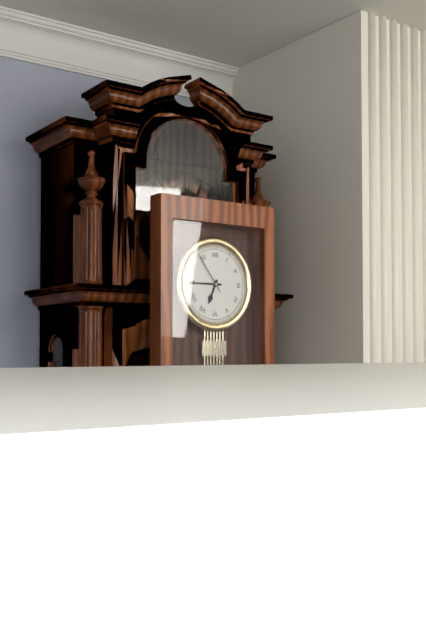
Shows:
{"hour": 6, "minute": 45}
